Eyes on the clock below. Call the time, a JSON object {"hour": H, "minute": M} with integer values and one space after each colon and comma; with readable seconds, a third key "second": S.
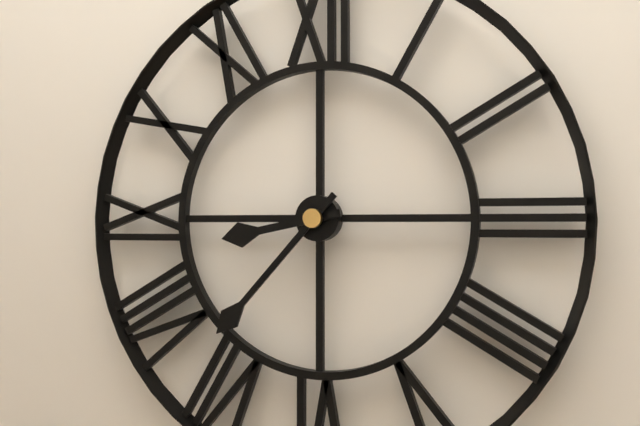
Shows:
{"hour": 8, "minute": 37}
